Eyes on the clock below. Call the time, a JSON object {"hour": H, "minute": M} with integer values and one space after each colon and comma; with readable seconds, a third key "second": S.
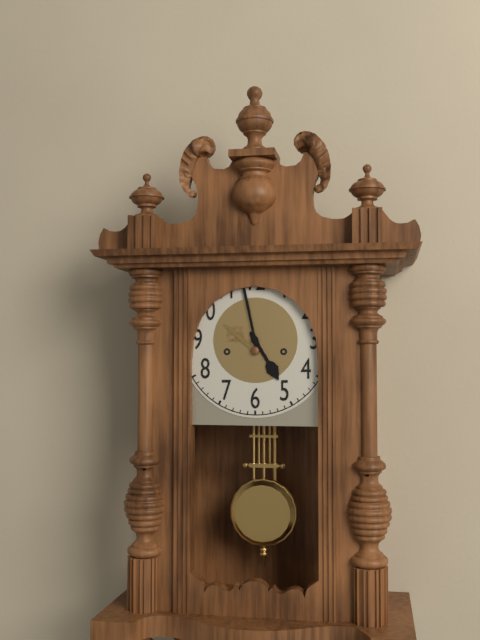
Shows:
{"hour": 4, "minute": 58}
